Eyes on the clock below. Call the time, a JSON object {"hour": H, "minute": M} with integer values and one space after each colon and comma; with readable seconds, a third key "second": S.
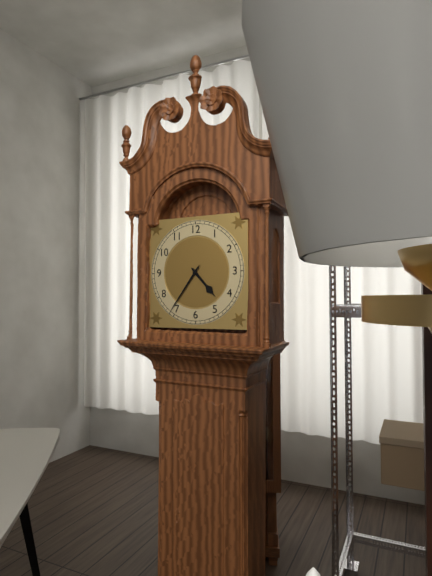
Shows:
{"hour": 4, "minute": 36}
